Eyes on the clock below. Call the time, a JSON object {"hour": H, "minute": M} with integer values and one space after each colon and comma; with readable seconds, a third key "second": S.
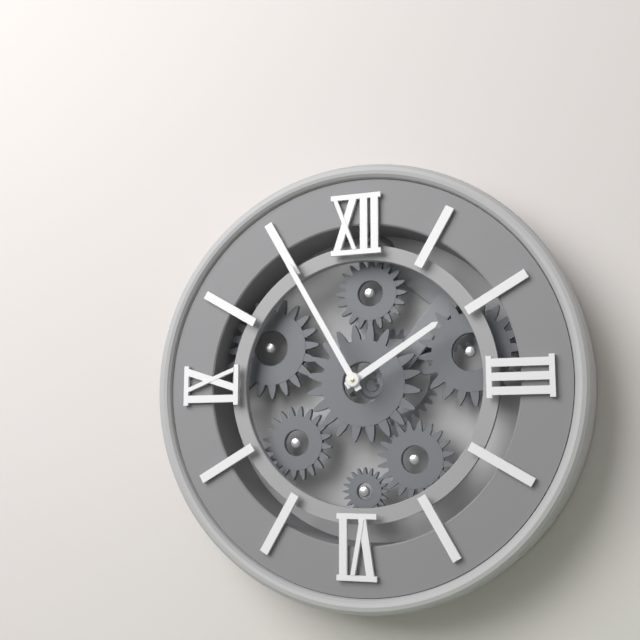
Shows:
{"hour": 1, "minute": 55}
